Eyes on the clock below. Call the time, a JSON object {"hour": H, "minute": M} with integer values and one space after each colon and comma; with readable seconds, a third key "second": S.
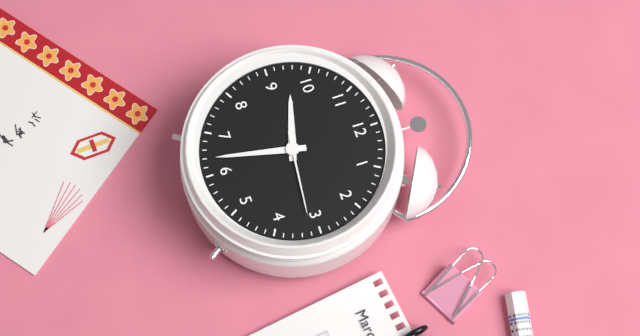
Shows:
{"hour": 9, "minute": 32, "second": 16}
